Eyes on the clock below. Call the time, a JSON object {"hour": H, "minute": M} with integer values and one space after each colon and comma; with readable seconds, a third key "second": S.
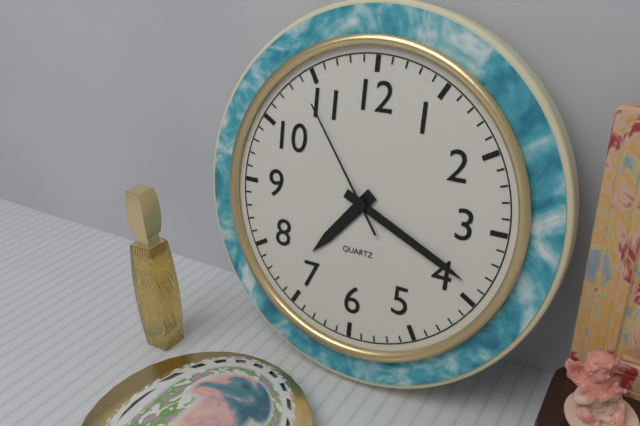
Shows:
{"hour": 7, "minute": 19, "second": 54}
